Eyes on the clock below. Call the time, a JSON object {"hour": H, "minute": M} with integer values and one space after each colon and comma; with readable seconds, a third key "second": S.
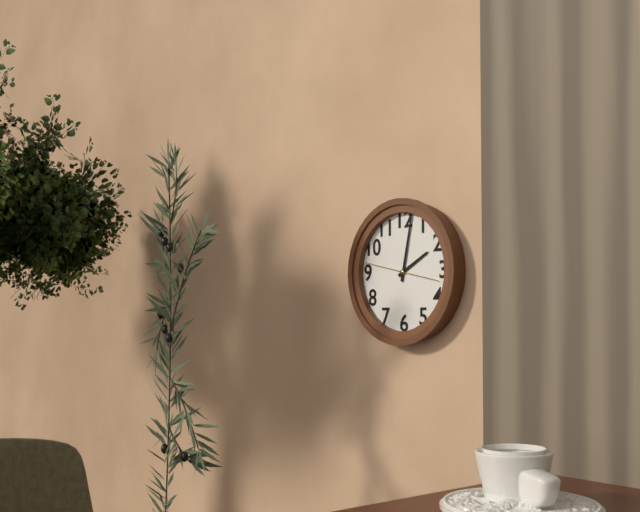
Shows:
{"hour": 2, "minute": 2, "second": 47}
